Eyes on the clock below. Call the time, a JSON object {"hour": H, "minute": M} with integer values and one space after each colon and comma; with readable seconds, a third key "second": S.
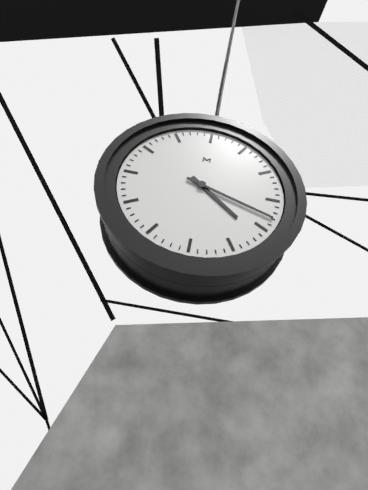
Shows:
{"hour": 4, "minute": 18}
